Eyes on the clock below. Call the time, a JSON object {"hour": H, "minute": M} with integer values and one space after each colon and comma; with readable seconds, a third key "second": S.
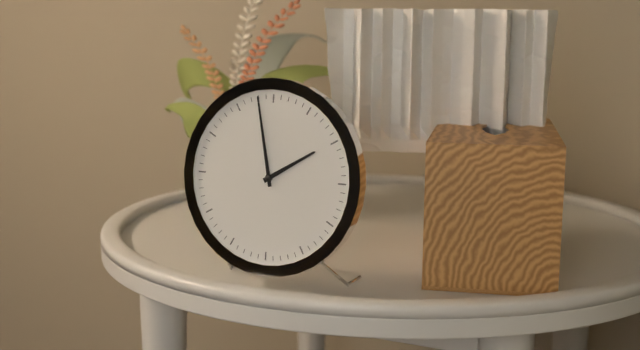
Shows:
{"hour": 1, "minute": 58}
